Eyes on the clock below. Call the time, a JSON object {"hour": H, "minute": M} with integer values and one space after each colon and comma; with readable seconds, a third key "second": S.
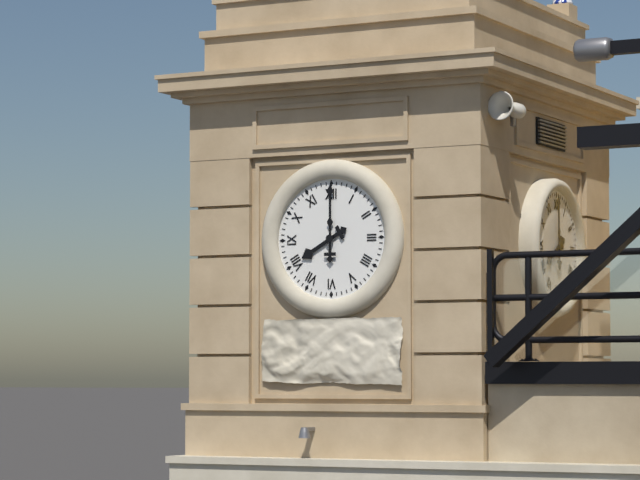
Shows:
{"hour": 8, "minute": 0}
